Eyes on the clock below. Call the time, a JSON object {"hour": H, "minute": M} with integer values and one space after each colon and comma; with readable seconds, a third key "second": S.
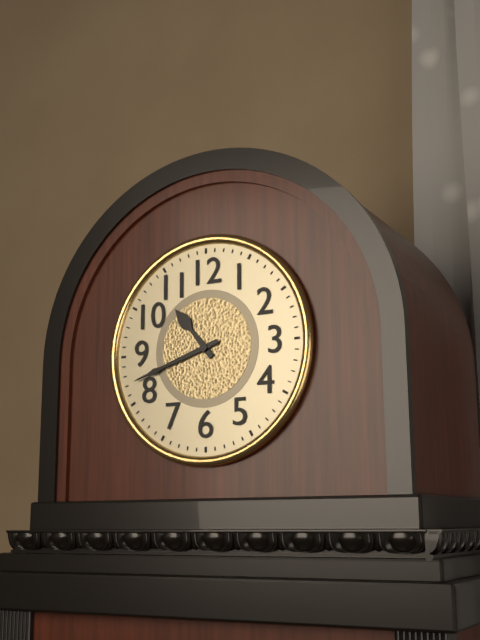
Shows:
{"hour": 10, "minute": 42}
